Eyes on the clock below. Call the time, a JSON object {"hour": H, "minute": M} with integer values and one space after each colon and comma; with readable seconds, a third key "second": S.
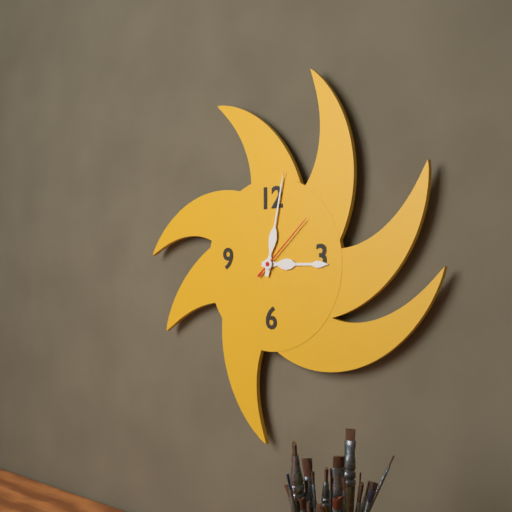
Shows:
{"hour": 3, "minute": 2, "second": 8}
